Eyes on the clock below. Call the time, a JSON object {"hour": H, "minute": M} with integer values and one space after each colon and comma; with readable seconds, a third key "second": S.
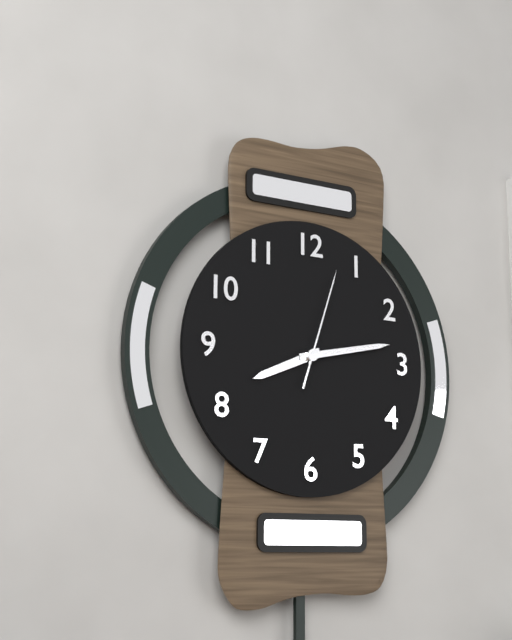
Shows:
{"hour": 8, "minute": 13, "second": 3}
